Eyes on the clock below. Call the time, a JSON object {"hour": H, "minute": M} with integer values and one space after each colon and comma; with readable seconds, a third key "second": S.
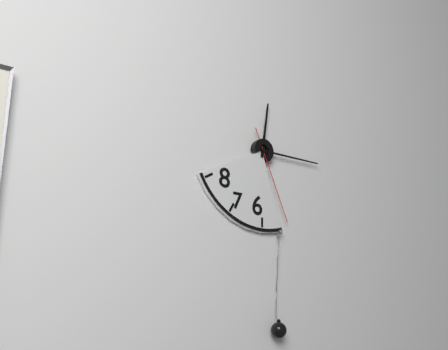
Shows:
{"hour": 12, "minute": 15, "second": 26}
